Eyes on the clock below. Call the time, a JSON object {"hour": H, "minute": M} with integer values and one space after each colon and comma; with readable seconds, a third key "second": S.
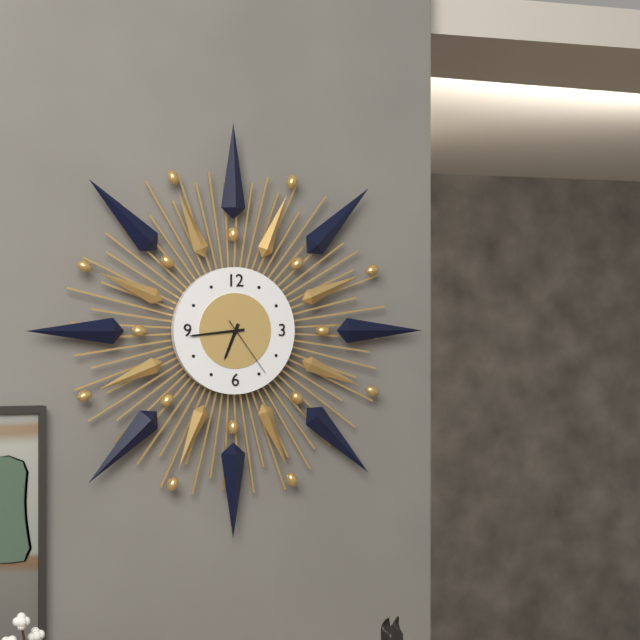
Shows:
{"hour": 6, "minute": 44, "second": 24}
